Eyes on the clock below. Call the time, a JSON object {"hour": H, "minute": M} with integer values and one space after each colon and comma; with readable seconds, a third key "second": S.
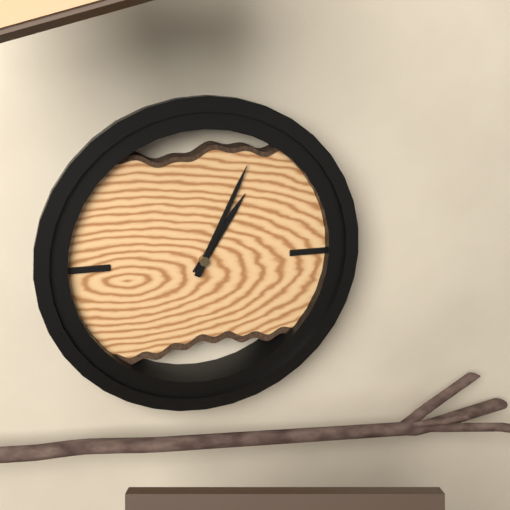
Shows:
{"hour": 1, "minute": 4}
